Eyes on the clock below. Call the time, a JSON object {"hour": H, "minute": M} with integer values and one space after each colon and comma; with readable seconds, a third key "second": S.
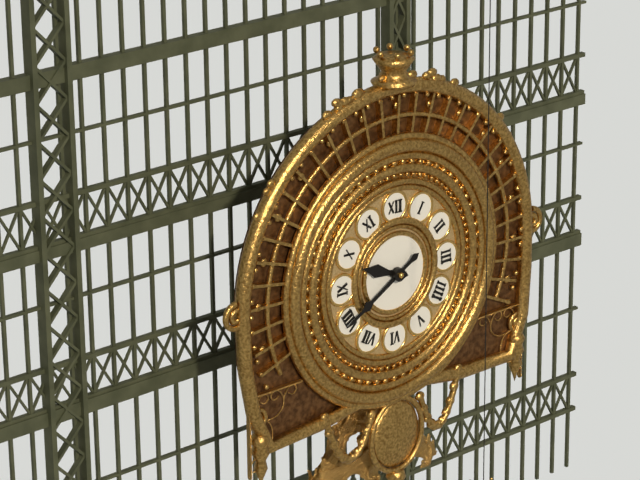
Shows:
{"hour": 9, "minute": 40}
